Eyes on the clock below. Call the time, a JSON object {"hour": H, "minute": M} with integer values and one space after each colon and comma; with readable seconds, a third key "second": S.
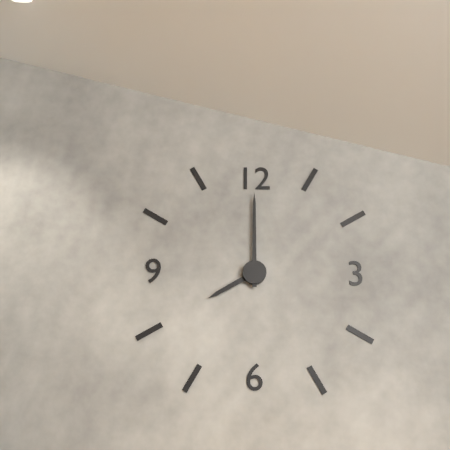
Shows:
{"hour": 8, "minute": 0}
